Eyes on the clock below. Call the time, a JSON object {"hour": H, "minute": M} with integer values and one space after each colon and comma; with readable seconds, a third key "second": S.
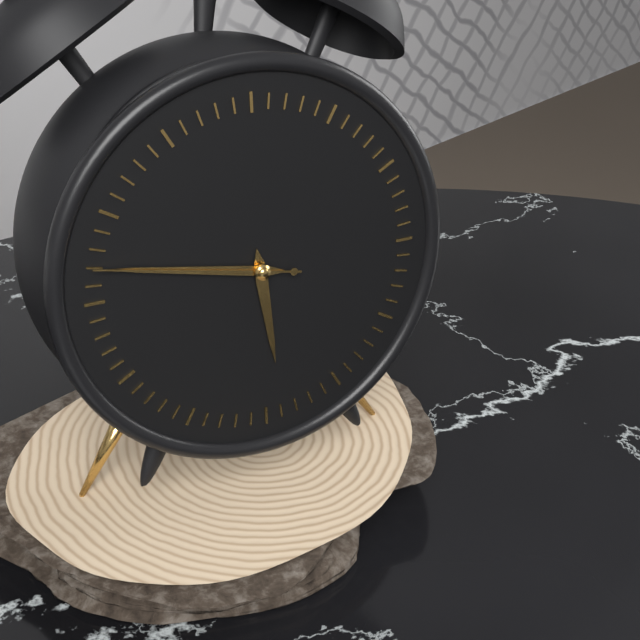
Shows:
{"hour": 5, "minute": 47, "second": 47}
